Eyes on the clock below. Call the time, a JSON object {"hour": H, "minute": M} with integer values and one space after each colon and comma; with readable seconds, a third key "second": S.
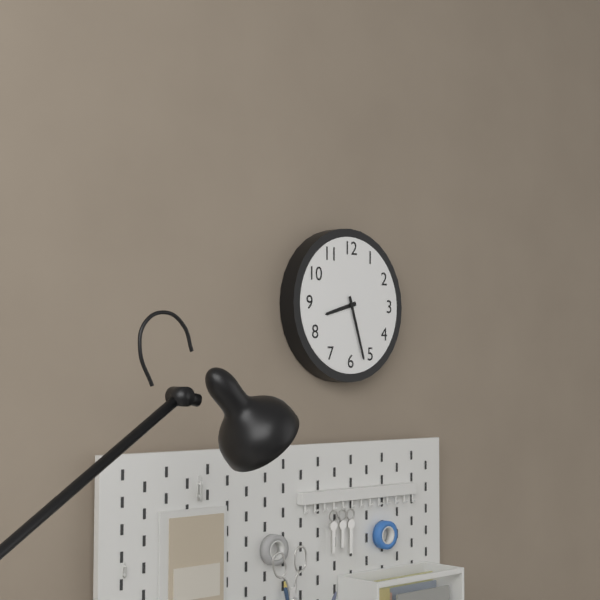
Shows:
{"hour": 8, "minute": 27}
